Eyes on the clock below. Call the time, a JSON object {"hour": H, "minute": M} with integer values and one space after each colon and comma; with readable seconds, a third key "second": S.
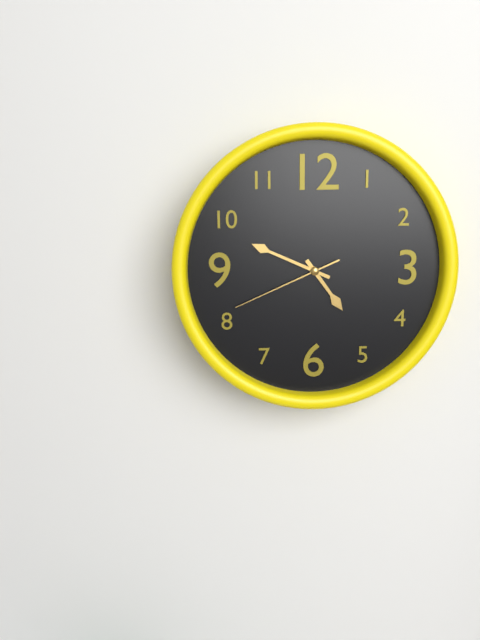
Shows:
{"hour": 4, "minute": 49, "second": 41}
